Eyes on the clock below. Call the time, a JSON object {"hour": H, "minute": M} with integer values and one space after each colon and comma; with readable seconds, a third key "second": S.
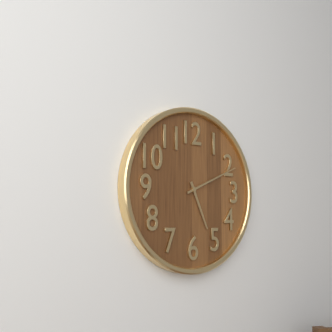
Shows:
{"hour": 5, "minute": 11}
